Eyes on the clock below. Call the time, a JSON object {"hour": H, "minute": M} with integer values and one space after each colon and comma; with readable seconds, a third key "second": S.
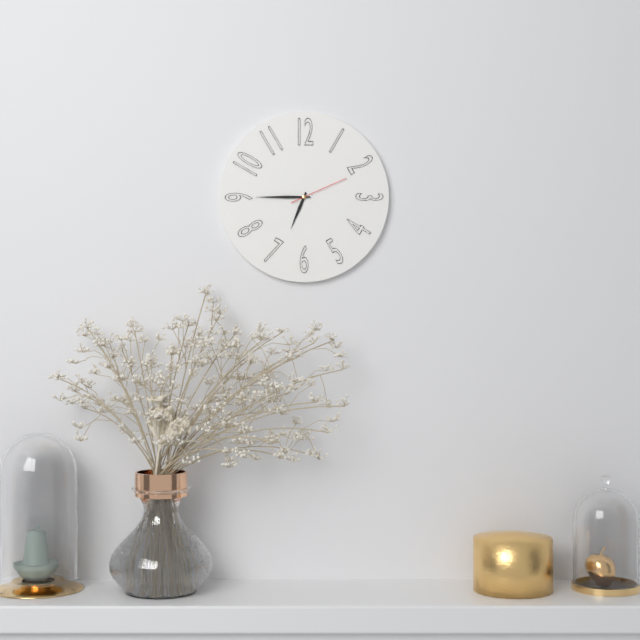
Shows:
{"hour": 6, "minute": 45, "second": 11}
